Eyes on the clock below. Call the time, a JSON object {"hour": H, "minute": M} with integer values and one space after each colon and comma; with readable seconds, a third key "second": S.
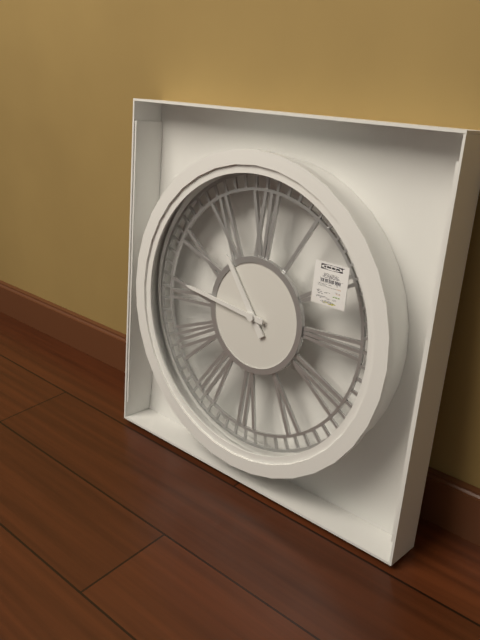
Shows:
{"hour": 10, "minute": 46}
